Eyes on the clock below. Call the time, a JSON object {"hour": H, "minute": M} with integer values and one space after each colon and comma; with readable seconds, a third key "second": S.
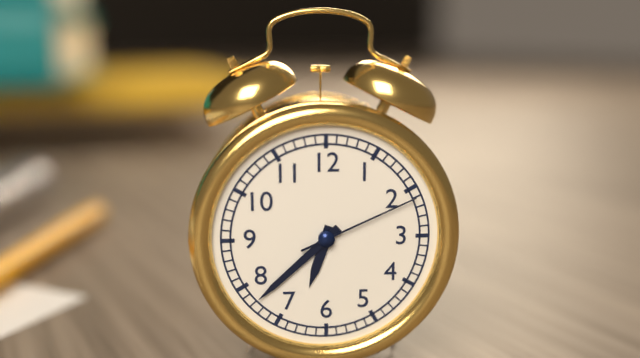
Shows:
{"hour": 6, "minute": 38, "second": 11}
